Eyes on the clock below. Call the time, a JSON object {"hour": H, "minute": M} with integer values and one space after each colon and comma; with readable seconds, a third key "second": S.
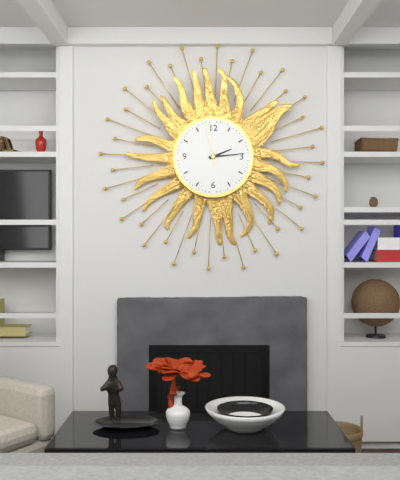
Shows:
{"hour": 2, "minute": 14}
